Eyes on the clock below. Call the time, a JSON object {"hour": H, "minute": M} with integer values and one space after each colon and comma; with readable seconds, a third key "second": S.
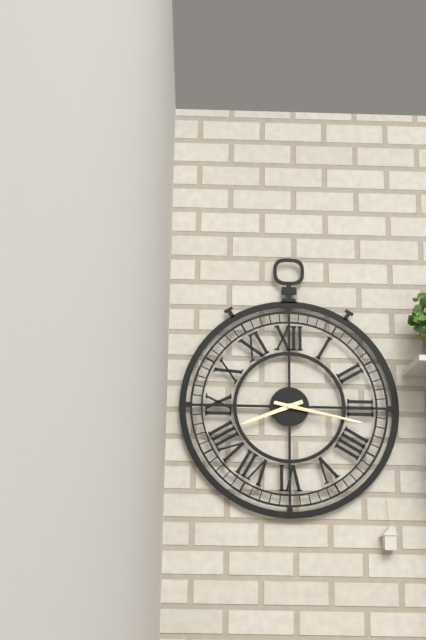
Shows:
{"hour": 8, "minute": 17, "second": 17}
